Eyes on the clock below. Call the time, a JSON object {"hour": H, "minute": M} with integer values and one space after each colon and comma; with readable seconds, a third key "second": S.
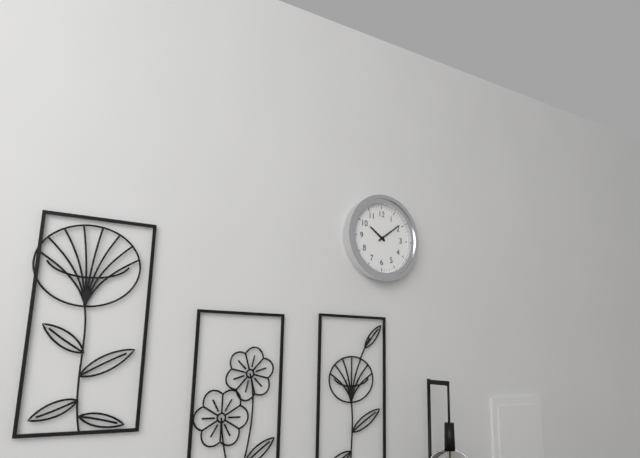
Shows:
{"hour": 10, "minute": 9}
